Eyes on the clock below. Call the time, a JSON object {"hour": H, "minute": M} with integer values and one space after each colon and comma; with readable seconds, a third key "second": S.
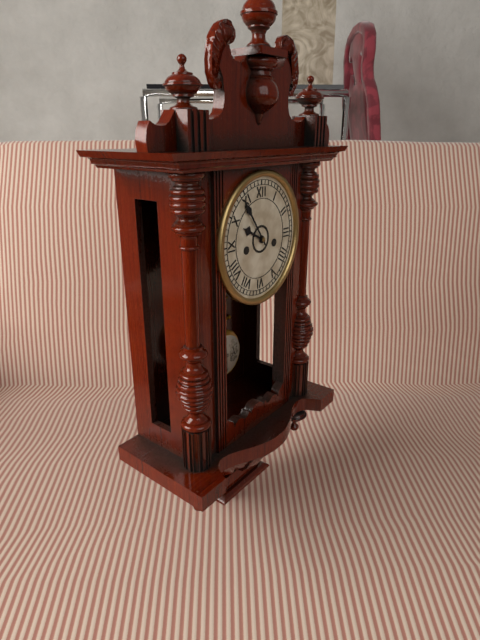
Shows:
{"hour": 9, "minute": 54}
